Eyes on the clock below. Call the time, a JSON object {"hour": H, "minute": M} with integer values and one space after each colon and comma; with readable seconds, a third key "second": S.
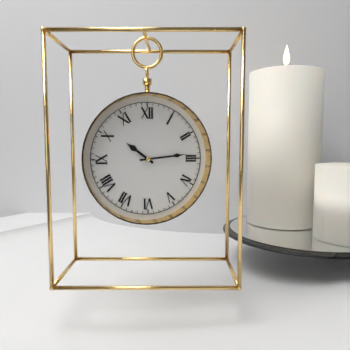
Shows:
{"hour": 10, "minute": 14}
